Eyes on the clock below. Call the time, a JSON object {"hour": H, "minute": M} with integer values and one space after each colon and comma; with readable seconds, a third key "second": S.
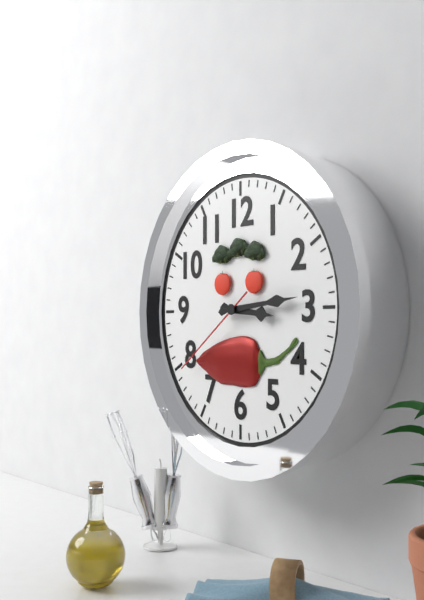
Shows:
{"hour": 3, "minute": 14, "second": 39}
